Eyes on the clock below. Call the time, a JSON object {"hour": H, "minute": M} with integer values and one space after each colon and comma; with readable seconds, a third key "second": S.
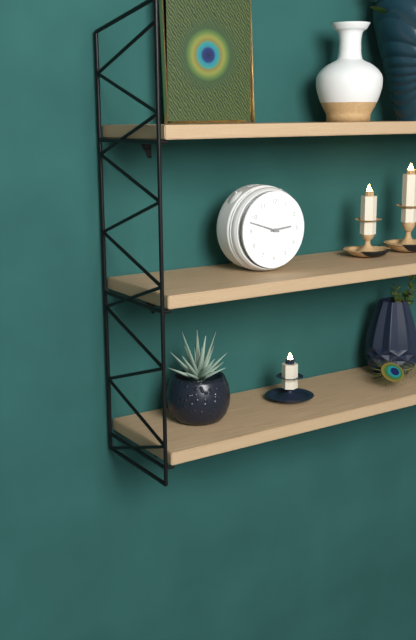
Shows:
{"hour": 2, "minute": 48}
